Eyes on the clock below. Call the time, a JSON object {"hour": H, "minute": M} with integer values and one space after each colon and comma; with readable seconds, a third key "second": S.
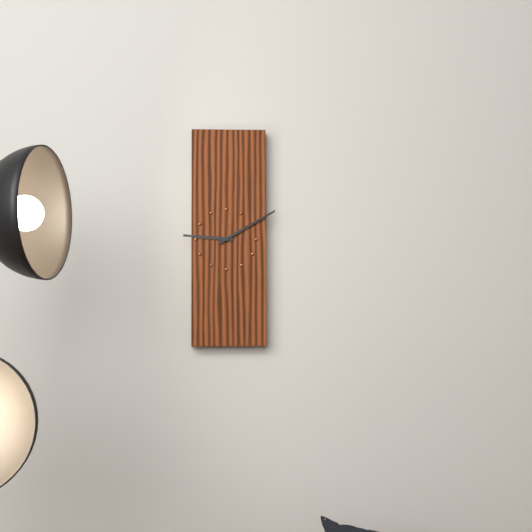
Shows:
{"hour": 9, "minute": 10}
